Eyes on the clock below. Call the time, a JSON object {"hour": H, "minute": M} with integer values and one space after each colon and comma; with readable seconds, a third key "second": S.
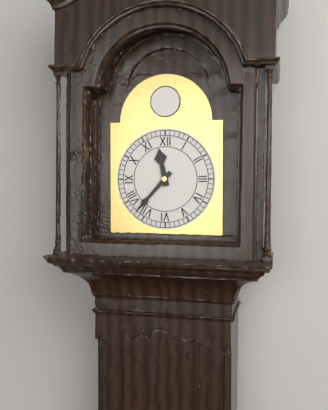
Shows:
{"hour": 11, "minute": 37}
